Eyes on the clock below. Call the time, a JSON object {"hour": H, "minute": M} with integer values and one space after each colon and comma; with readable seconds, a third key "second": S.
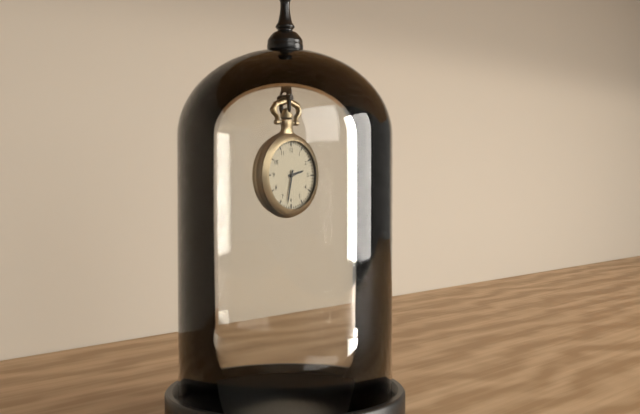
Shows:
{"hour": 2, "minute": 32}
